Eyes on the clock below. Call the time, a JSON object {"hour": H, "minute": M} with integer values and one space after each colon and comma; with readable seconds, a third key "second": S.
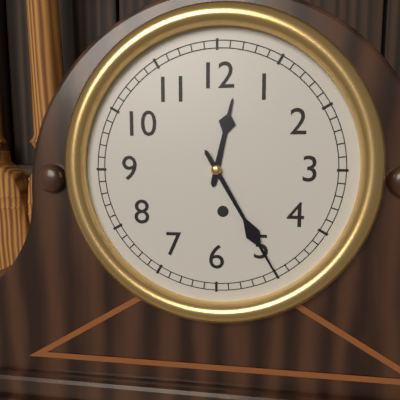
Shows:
{"hour": 12, "minute": 25}
